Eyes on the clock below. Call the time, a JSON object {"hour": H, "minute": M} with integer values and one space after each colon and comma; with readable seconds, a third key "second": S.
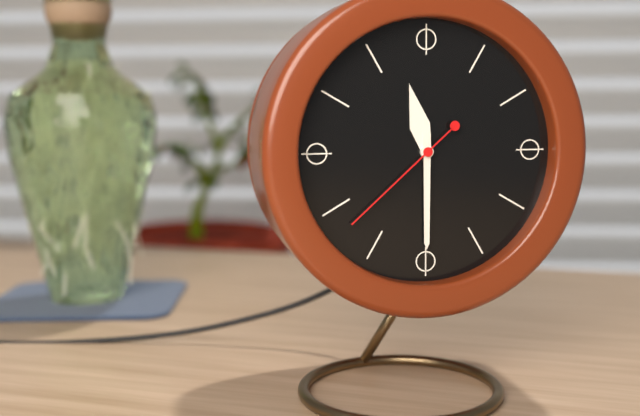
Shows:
{"hour": 11, "minute": 30, "second": 38}
